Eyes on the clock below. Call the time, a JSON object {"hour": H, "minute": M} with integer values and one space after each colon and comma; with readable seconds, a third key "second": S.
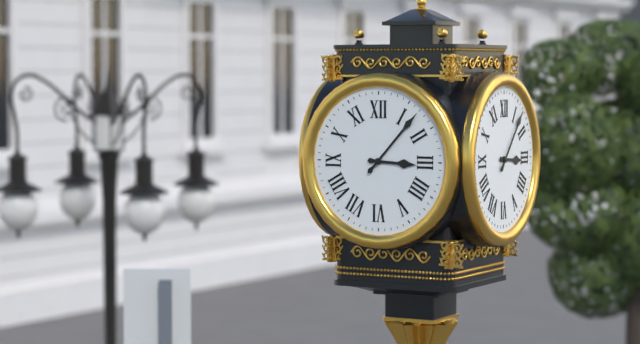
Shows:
{"hour": 3, "minute": 7}
